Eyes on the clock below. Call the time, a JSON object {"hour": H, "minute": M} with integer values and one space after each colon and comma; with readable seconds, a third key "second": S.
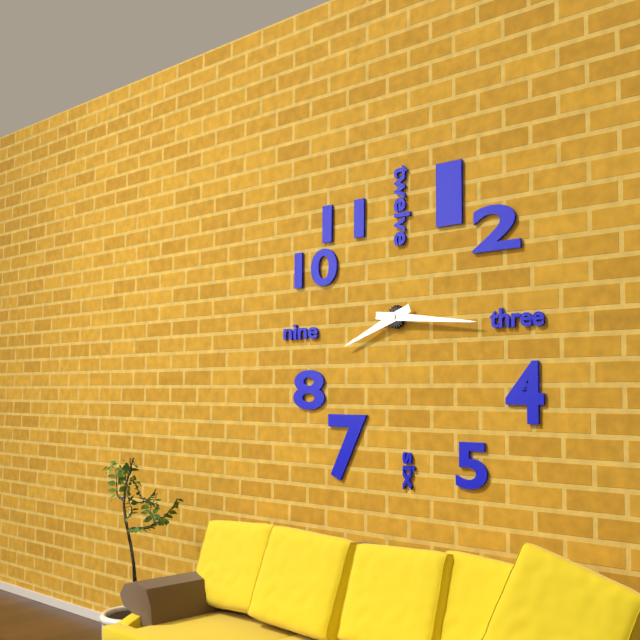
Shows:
{"hour": 8, "minute": 16}
